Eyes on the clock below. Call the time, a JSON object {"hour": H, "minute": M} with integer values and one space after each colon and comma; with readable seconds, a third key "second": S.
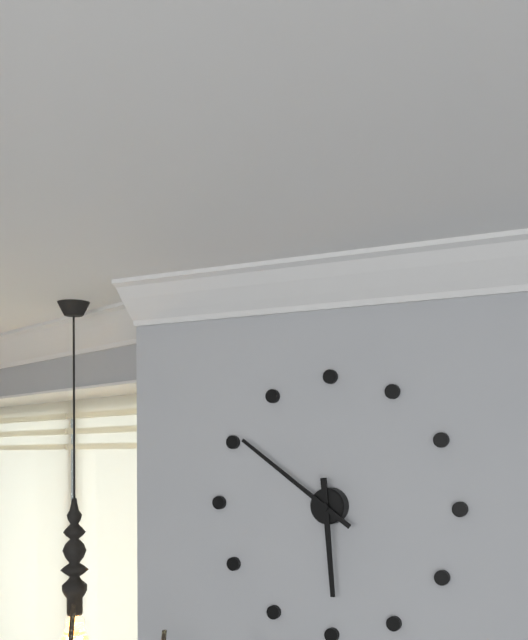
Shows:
{"hour": 5, "minute": 51}
